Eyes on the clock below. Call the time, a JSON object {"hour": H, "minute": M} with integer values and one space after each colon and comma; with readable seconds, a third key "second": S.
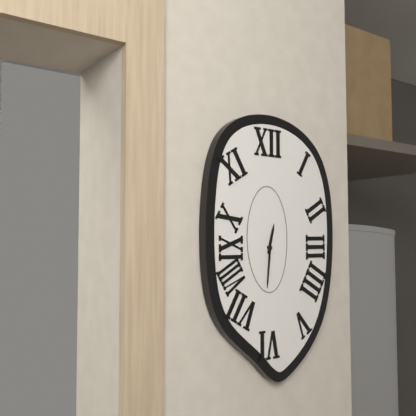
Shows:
{"hour": 12, "minute": 31}
